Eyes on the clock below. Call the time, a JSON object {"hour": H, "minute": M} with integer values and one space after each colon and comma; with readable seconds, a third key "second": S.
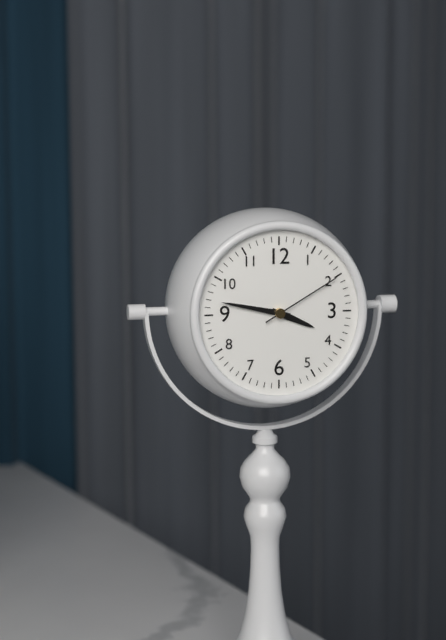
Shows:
{"hour": 3, "minute": 47, "second": 10}
